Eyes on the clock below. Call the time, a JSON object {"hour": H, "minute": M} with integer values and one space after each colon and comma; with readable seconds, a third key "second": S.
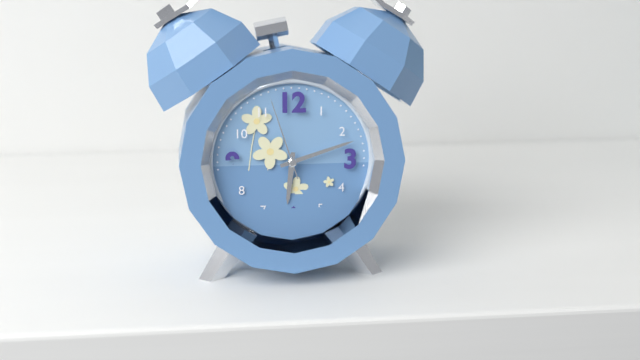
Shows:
{"hour": 6, "minute": 12, "second": 57}
